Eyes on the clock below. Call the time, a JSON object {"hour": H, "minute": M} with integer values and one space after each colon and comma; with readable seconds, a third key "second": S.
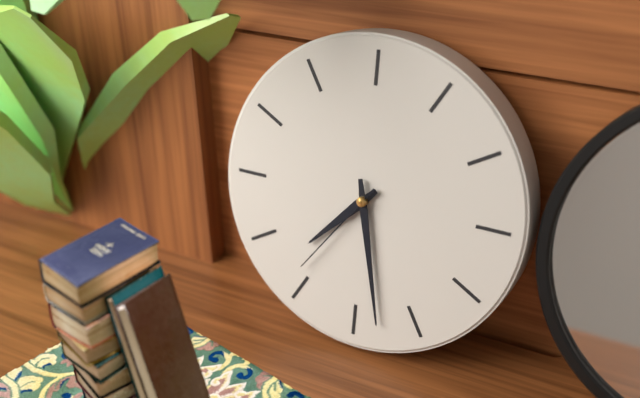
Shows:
{"hour": 7, "minute": 28, "second": 36}
